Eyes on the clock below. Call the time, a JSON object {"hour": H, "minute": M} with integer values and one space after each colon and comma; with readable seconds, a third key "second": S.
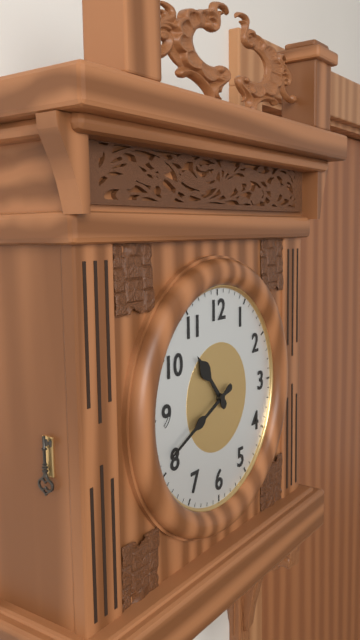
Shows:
{"hour": 10, "minute": 41}
